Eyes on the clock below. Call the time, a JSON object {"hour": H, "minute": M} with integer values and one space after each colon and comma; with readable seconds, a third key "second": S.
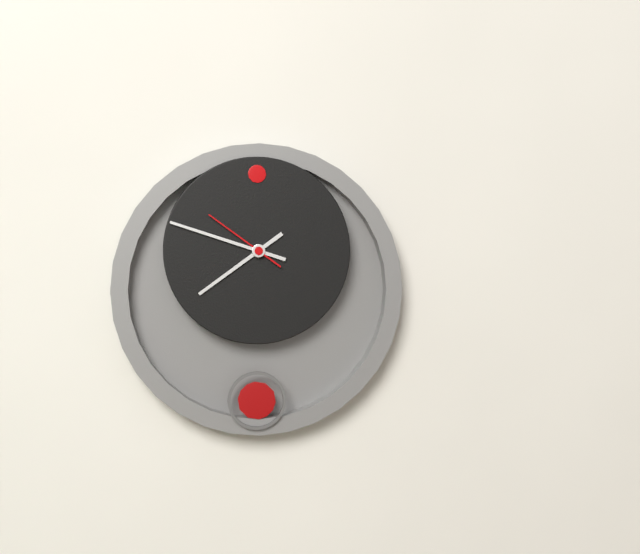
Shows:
{"hour": 7, "minute": 48, "second": 51}
